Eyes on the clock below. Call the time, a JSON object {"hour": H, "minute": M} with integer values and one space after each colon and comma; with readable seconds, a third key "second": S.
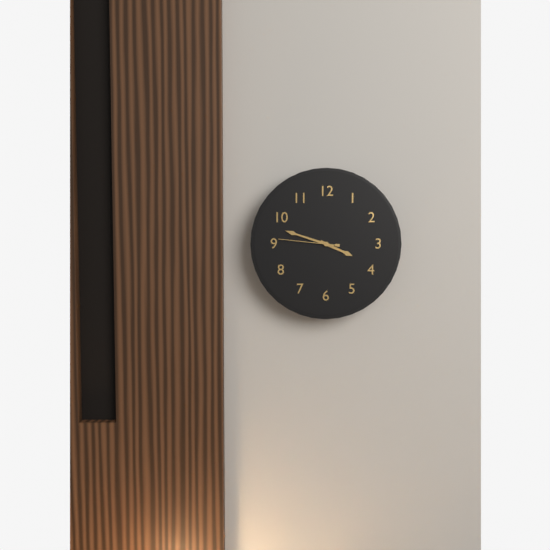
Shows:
{"hour": 3, "minute": 48, "second": 46}
